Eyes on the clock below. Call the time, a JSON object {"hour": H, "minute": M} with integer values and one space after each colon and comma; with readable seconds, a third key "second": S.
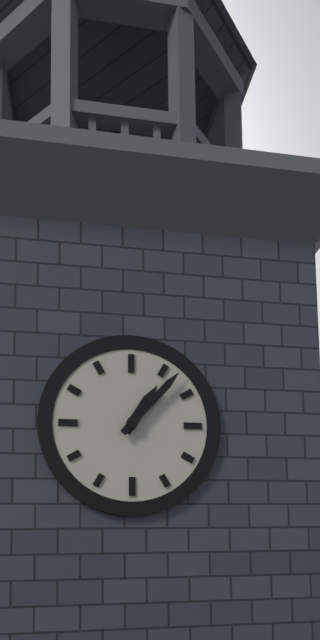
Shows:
{"hour": 1, "minute": 7}
